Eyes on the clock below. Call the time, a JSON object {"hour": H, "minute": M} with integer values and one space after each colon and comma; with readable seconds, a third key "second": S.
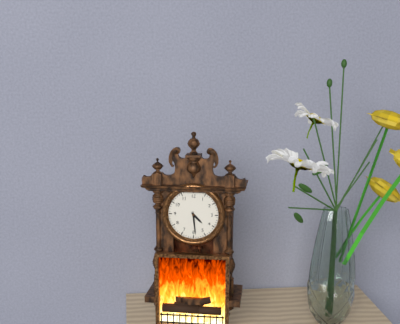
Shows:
{"hour": 4, "minute": 29}
